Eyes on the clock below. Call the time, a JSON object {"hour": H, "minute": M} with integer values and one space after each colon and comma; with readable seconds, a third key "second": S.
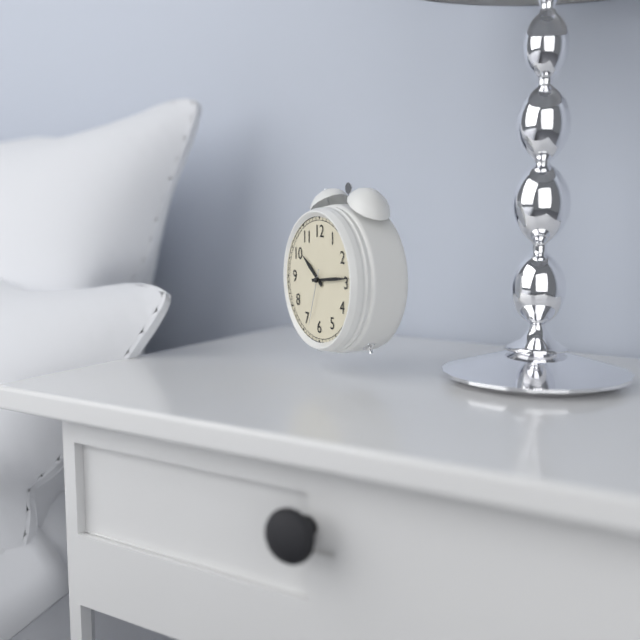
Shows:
{"hour": 10, "minute": 14, "second": 33}
